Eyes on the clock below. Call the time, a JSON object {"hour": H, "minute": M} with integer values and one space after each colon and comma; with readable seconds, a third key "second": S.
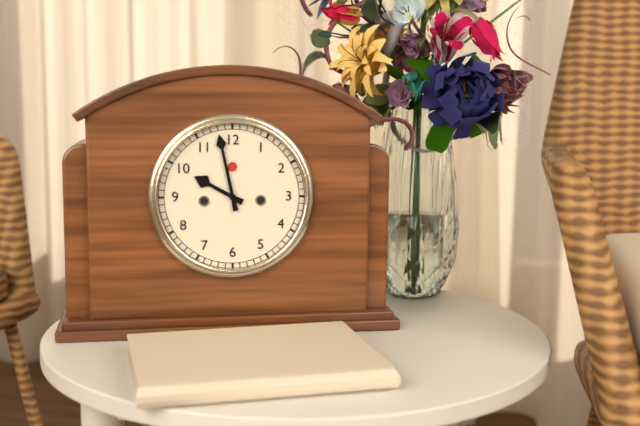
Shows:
{"hour": 9, "minute": 58}
